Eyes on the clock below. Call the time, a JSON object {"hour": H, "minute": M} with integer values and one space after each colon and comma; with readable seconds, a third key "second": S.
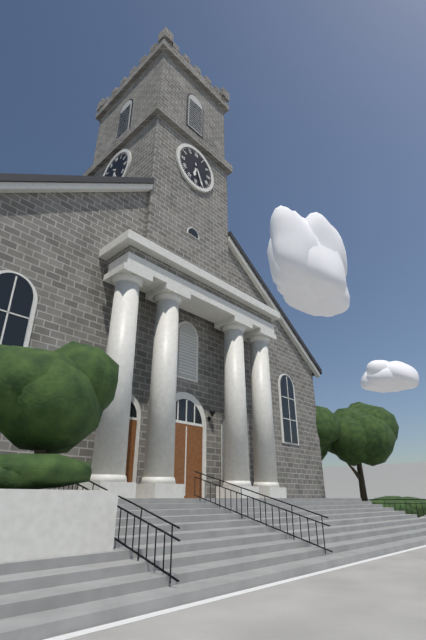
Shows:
{"hour": 6, "minute": 26}
